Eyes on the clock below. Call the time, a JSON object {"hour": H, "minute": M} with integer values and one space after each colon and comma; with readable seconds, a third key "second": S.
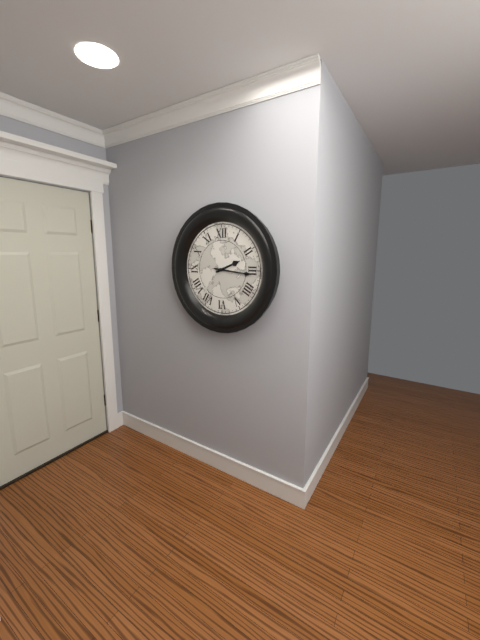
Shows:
{"hour": 2, "minute": 16}
